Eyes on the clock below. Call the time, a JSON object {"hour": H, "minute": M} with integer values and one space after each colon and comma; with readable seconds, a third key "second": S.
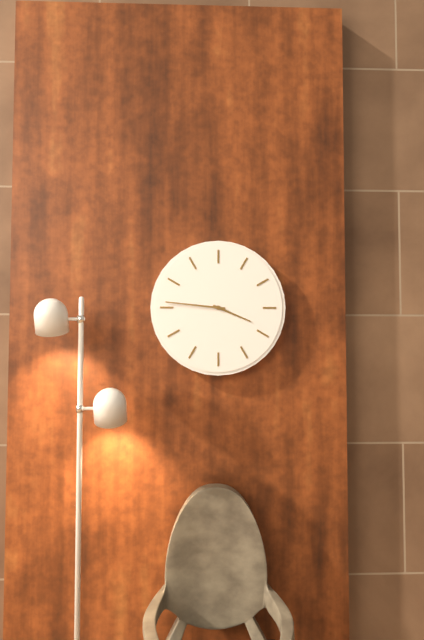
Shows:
{"hour": 3, "minute": 46}
